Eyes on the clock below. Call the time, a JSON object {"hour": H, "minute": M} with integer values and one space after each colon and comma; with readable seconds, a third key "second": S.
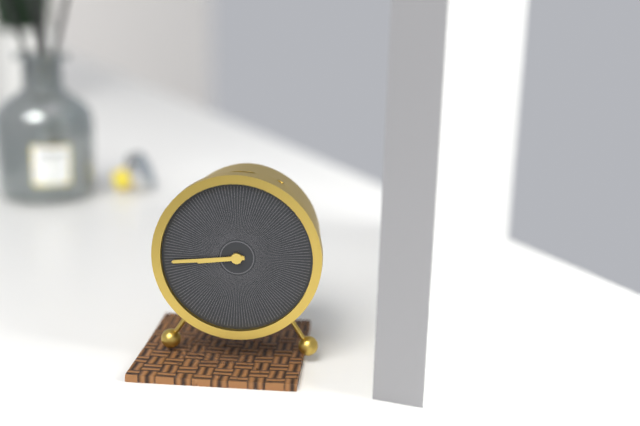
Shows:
{"hour": 8, "minute": 44}
